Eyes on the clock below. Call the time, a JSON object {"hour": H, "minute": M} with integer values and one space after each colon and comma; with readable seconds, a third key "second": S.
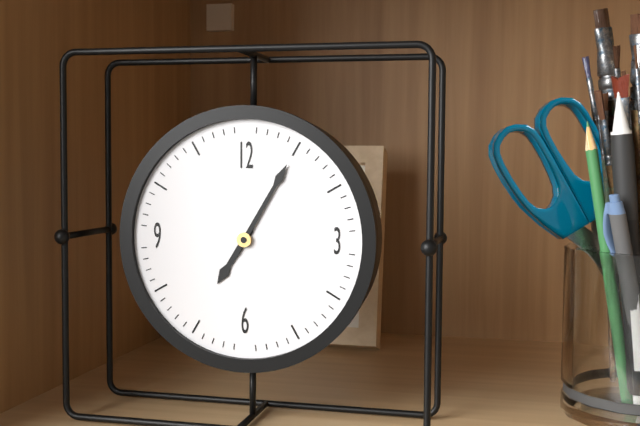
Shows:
{"hour": 7, "minute": 5}
